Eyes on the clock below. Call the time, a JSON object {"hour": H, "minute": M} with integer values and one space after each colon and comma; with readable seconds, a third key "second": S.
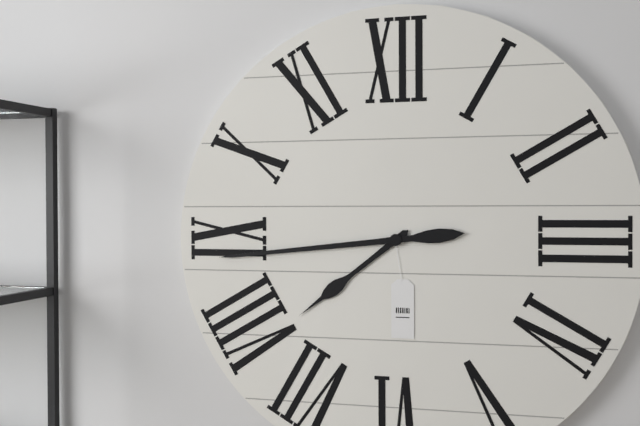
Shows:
{"hour": 7, "minute": 44}
